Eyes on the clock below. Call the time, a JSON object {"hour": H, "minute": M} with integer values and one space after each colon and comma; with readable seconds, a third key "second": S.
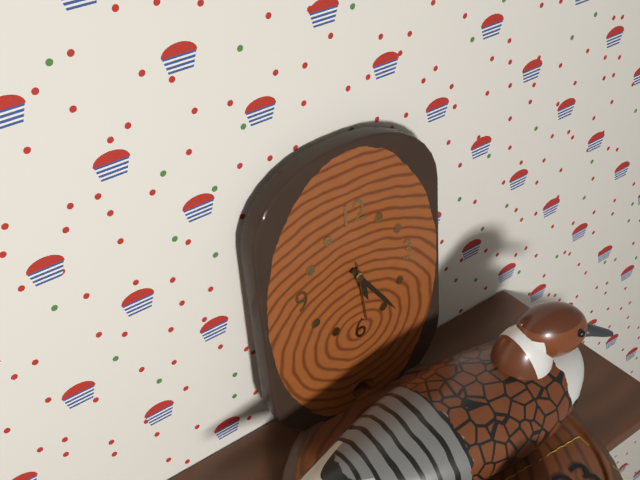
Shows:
{"hour": 5, "minute": 24, "second": 29}
